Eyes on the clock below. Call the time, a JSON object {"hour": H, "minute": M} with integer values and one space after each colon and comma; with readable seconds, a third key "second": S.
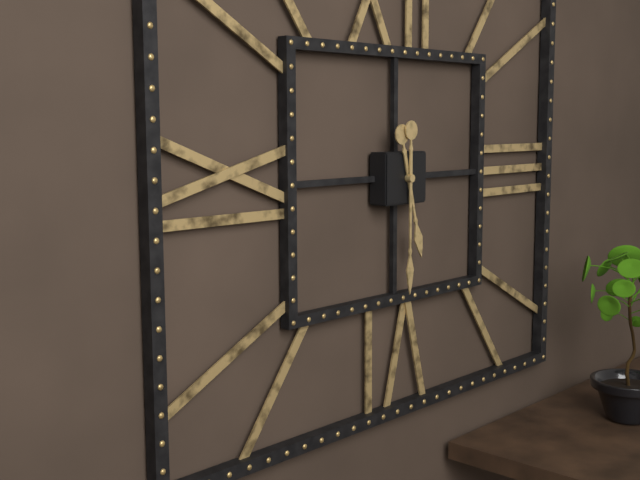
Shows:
{"hour": 5, "minute": 30}
